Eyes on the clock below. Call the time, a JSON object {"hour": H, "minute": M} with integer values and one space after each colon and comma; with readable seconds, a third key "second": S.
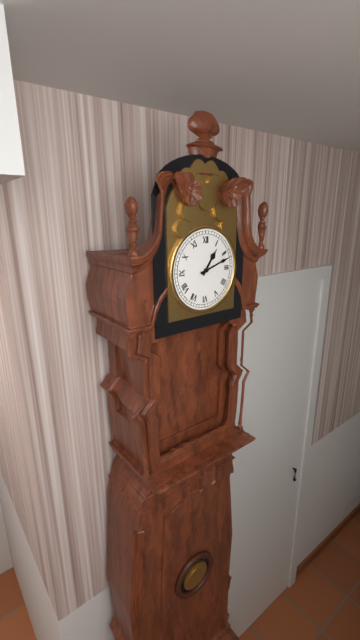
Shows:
{"hour": 1, "minute": 12}
